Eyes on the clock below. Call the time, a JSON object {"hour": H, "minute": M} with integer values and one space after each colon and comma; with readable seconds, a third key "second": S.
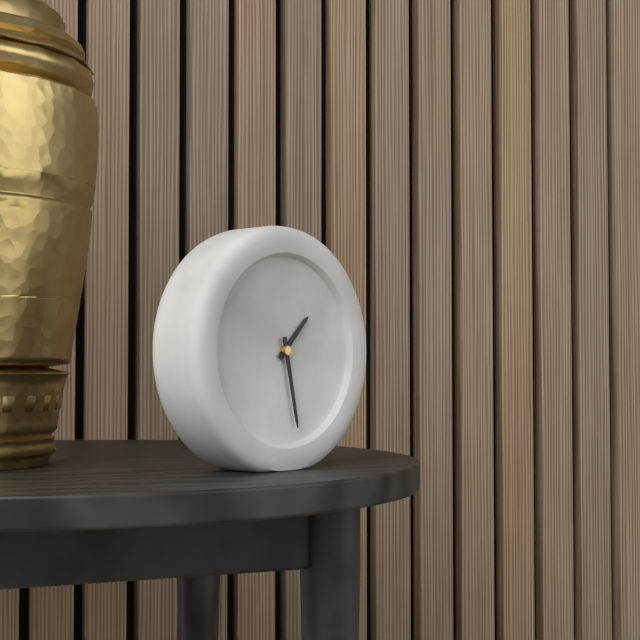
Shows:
{"hour": 1, "minute": 28}
